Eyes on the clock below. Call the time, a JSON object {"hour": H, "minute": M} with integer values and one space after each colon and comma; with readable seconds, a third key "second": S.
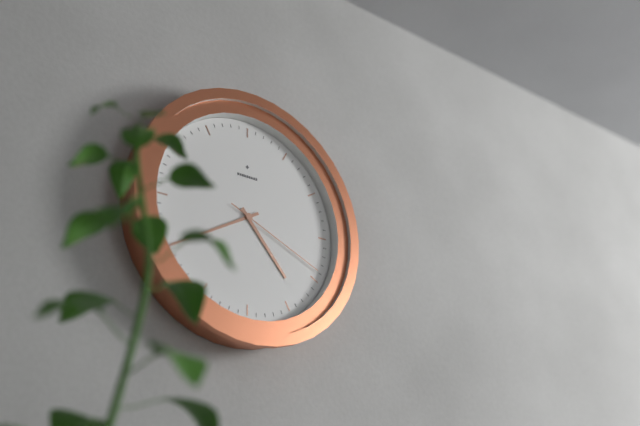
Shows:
{"hour": 4, "minute": 40, "second": 19}
